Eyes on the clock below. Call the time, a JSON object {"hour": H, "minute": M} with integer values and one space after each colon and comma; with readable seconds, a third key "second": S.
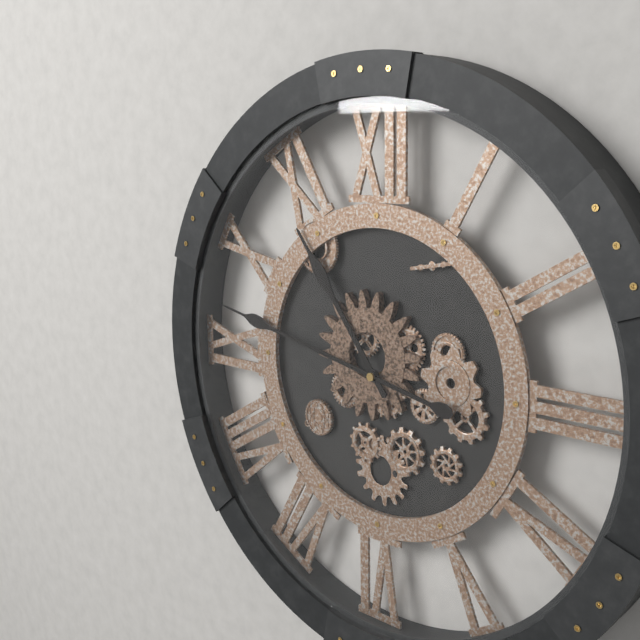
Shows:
{"hour": 10, "minute": 47}
